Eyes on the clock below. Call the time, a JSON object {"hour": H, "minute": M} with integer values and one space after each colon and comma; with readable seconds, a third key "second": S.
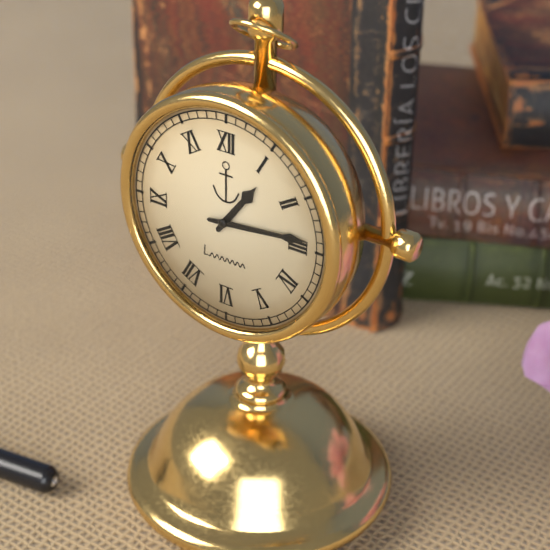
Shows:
{"hour": 1, "minute": 14}
